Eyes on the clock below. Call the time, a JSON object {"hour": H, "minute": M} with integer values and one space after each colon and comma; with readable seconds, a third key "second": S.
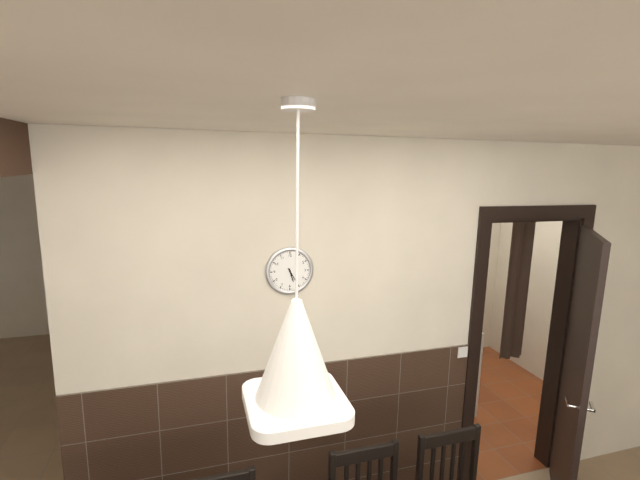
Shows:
{"hour": 5, "minute": 25}
